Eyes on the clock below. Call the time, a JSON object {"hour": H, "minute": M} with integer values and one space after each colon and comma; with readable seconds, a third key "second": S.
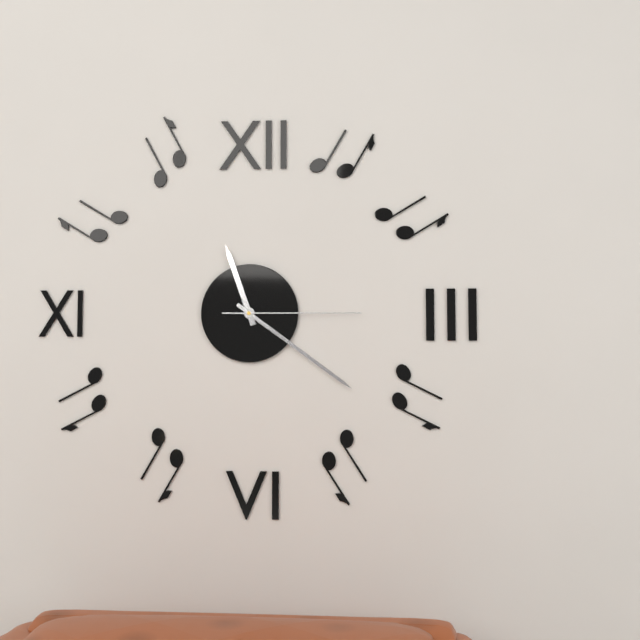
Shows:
{"hour": 11, "minute": 21, "second": 15}
